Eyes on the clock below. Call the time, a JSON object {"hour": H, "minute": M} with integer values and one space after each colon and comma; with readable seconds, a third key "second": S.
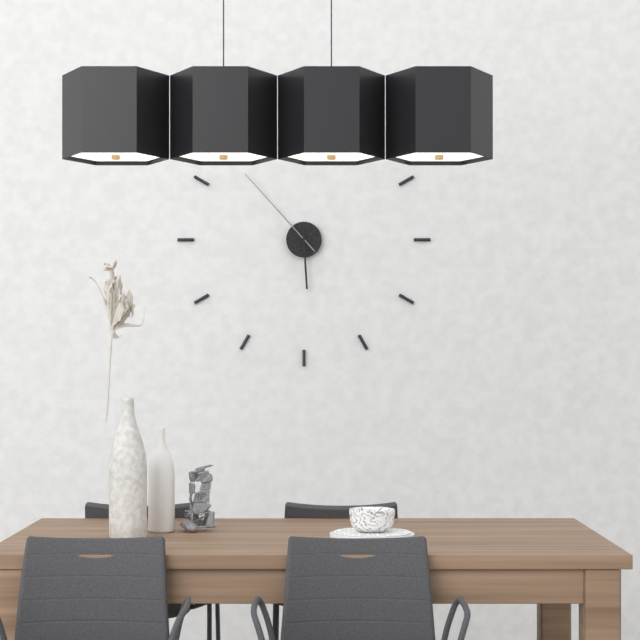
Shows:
{"hour": 5, "minute": 53}
